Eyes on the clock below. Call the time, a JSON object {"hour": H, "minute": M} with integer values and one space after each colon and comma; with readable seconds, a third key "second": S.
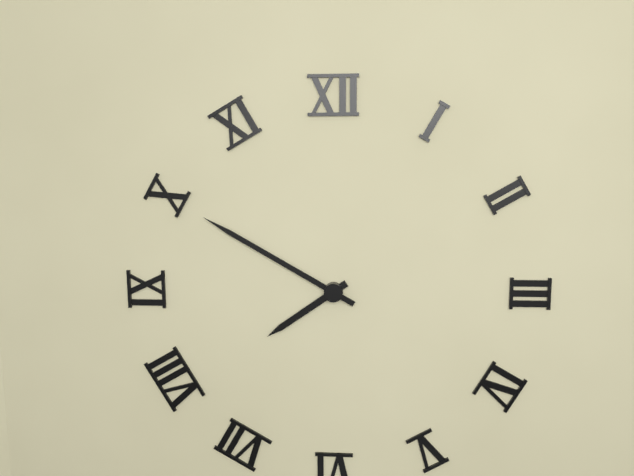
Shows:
{"hour": 7, "minute": 50}
